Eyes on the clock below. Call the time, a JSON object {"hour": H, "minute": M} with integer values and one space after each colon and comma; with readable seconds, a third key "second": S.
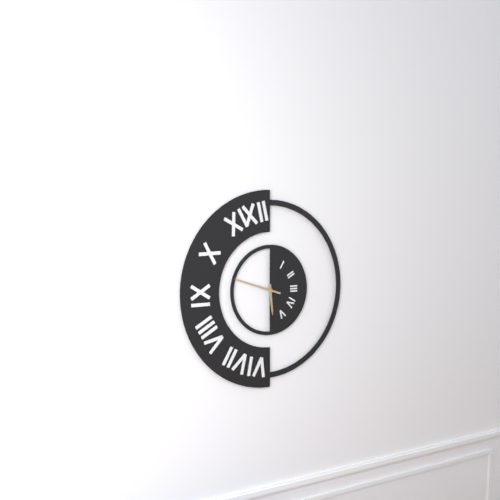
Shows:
{"hour": 5, "minute": 48}
